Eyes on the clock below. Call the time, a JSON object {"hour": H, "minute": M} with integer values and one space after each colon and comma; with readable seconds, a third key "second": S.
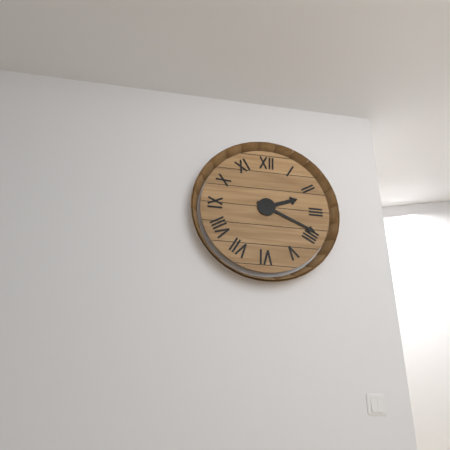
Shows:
{"hour": 2, "minute": 19}
